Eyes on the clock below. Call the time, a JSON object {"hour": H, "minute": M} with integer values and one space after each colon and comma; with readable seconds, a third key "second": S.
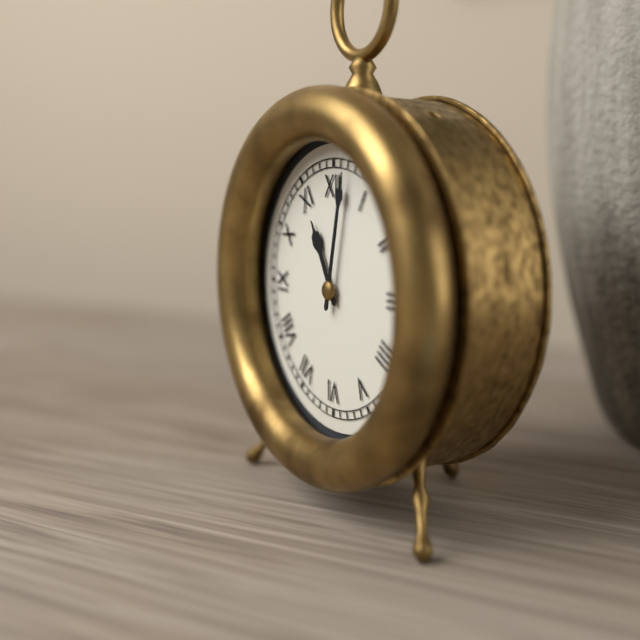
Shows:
{"hour": 11, "minute": 2}
